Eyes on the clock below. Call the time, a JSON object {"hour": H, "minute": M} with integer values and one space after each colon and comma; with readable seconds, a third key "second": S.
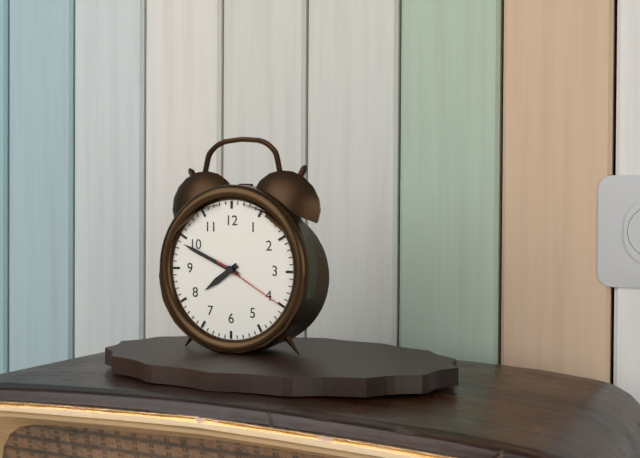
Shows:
{"hour": 7, "minute": 49, "second": 20}
